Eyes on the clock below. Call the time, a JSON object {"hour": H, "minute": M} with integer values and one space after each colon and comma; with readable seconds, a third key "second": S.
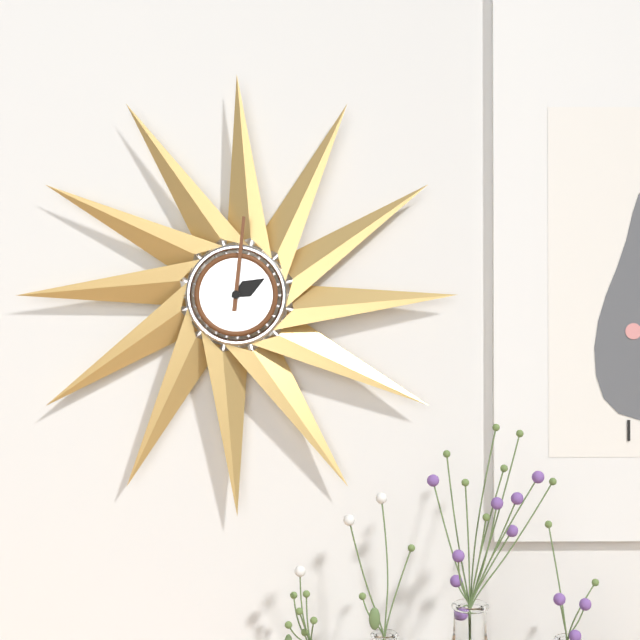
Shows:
{"hour": 2, "minute": 1}
